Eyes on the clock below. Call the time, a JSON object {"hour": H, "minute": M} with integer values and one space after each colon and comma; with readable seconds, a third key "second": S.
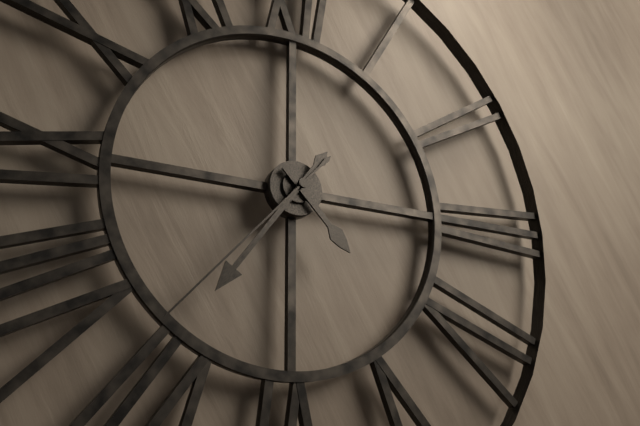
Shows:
{"hour": 4, "minute": 36, "second": 37}
